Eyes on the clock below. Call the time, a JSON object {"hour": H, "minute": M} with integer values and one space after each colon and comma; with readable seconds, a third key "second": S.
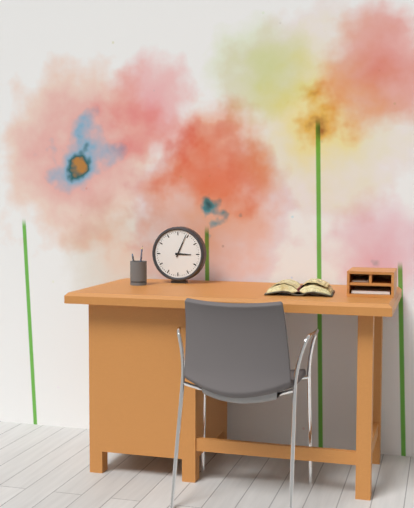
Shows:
{"hour": 3, "minute": 4}
